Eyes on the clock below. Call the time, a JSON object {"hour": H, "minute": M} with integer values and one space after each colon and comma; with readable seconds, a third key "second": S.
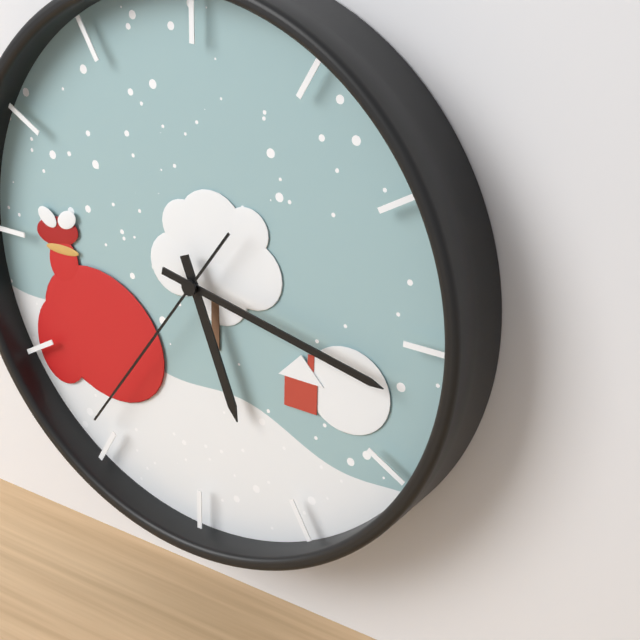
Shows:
{"hour": 5, "minute": 17, "second": 36}
